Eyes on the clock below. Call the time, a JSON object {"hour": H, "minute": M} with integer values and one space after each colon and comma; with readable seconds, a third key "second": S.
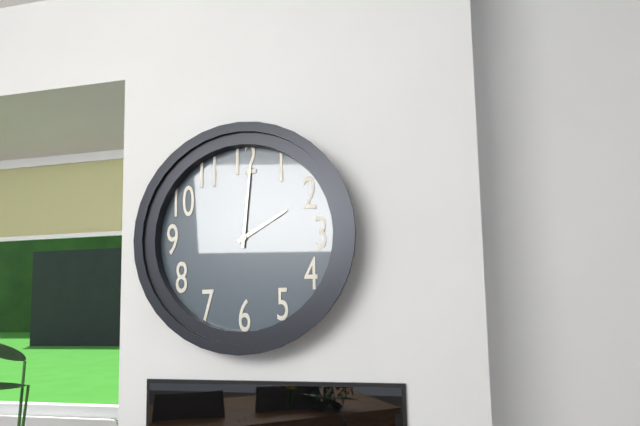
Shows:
{"hour": 2, "minute": 1}
